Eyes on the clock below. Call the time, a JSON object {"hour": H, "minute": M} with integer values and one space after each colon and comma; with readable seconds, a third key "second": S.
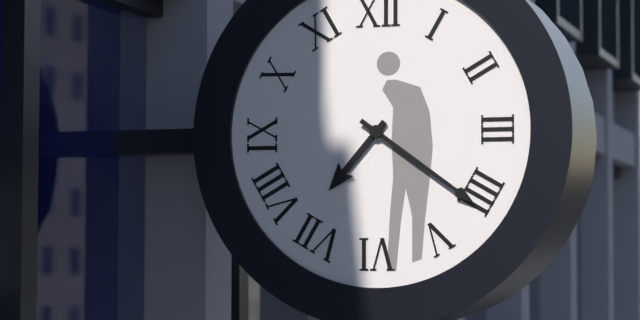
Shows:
{"hour": 7, "minute": 21}
